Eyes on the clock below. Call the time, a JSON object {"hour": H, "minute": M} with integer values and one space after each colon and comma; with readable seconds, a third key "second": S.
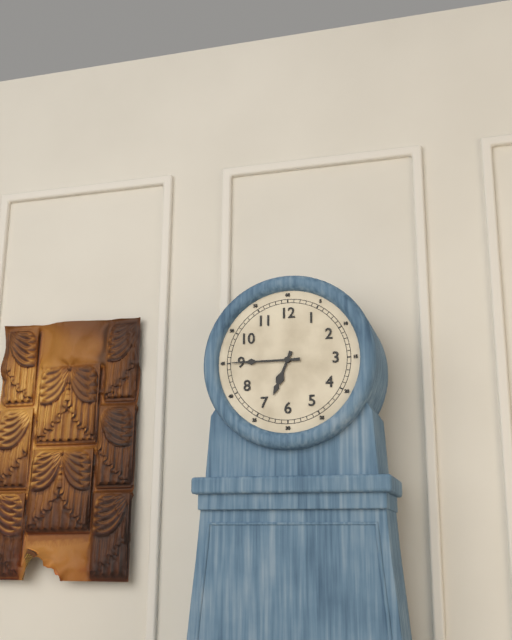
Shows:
{"hour": 6, "minute": 45}
